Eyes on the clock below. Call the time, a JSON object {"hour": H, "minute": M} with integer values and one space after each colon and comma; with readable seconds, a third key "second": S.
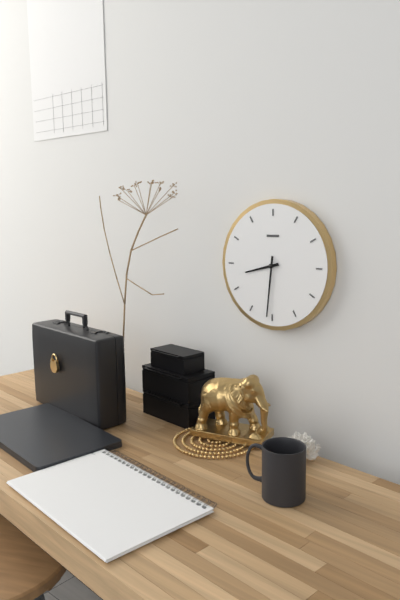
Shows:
{"hour": 8, "minute": 31}
